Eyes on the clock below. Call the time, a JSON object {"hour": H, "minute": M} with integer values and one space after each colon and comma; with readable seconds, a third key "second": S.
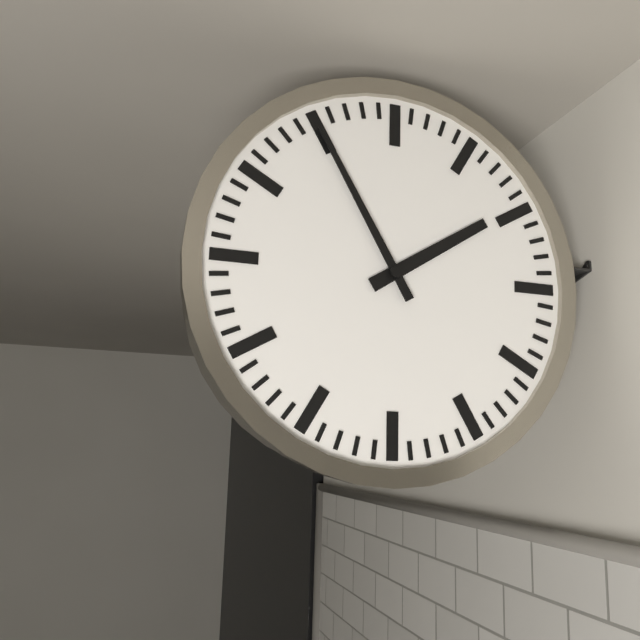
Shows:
{"hour": 1, "minute": 55}
